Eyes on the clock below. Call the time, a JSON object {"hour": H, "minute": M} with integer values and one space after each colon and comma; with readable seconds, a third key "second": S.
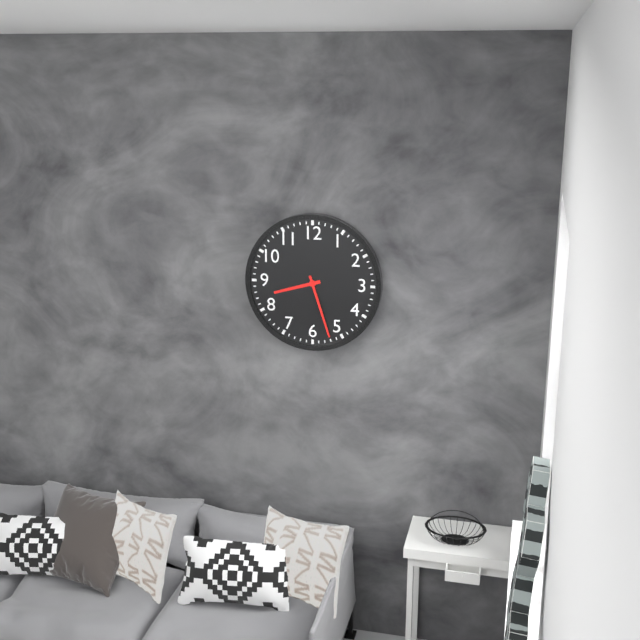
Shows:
{"hour": 8, "minute": 27}
